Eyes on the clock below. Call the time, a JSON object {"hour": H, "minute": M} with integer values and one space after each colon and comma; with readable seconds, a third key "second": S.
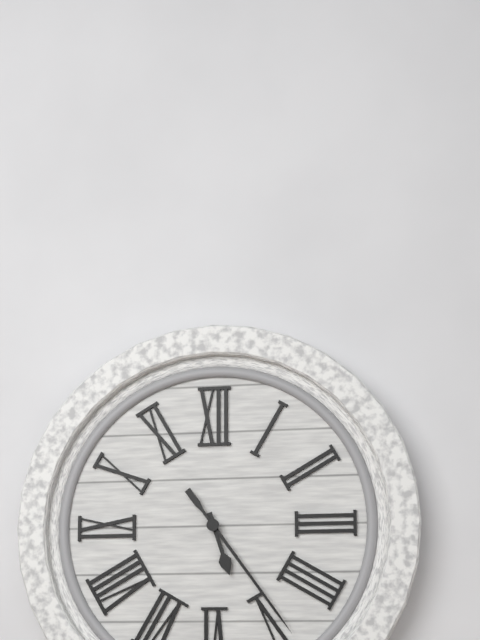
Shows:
{"hour": 5, "minute": 24}
